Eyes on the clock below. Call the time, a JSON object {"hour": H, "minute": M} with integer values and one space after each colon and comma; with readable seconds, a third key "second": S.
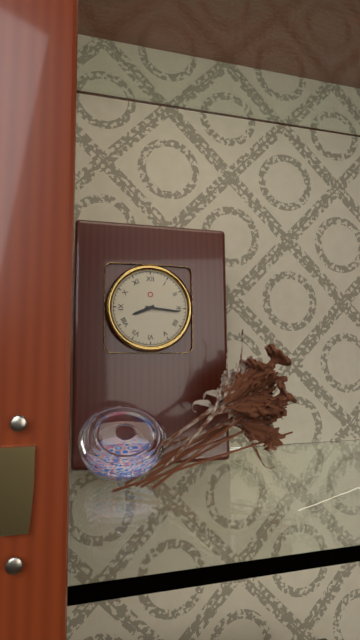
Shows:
{"hour": 8, "minute": 16}
